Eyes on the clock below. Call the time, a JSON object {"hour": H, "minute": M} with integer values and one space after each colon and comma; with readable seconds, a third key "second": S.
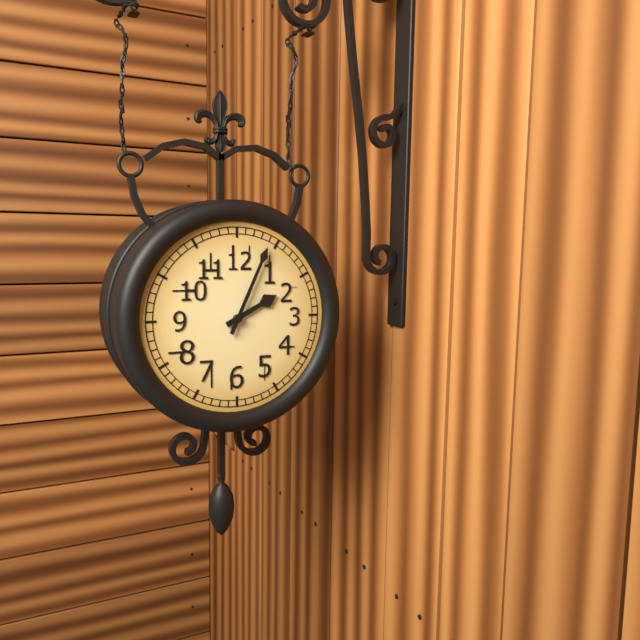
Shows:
{"hour": 2, "minute": 4}
